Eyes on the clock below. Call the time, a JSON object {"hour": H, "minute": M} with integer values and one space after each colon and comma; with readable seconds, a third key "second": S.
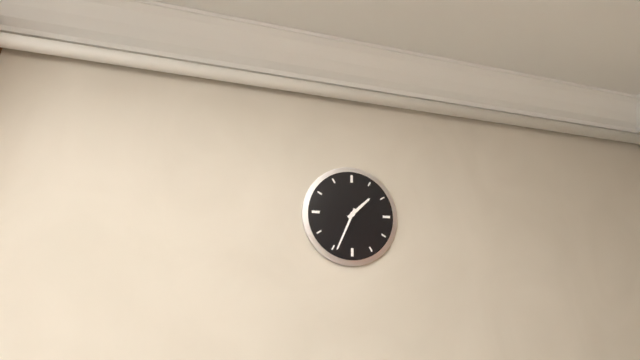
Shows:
{"hour": 1, "minute": 34}
